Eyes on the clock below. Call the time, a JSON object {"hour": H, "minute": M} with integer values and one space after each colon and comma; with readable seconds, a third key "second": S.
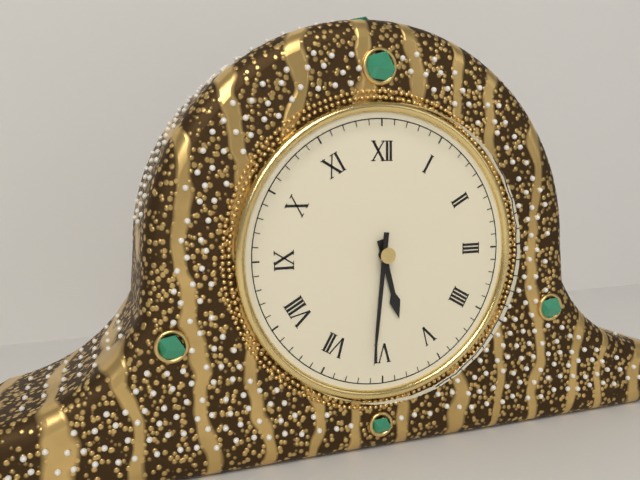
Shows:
{"hour": 5, "minute": 31}
